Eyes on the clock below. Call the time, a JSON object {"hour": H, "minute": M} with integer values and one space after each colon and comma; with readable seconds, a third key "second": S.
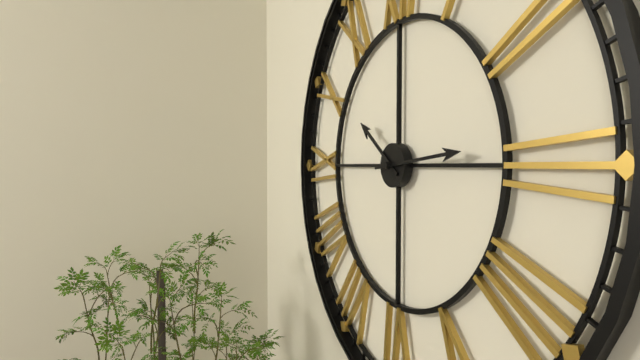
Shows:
{"hour": 10, "minute": 14}
